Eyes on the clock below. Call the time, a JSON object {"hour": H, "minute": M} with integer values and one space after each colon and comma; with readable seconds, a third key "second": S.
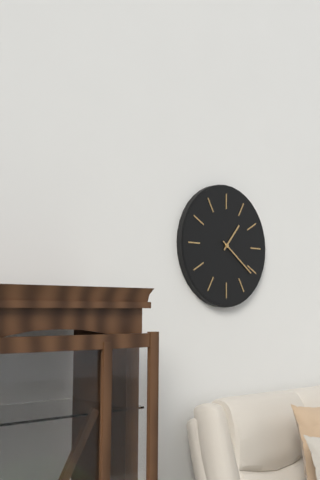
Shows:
{"hour": 1, "minute": 21}
